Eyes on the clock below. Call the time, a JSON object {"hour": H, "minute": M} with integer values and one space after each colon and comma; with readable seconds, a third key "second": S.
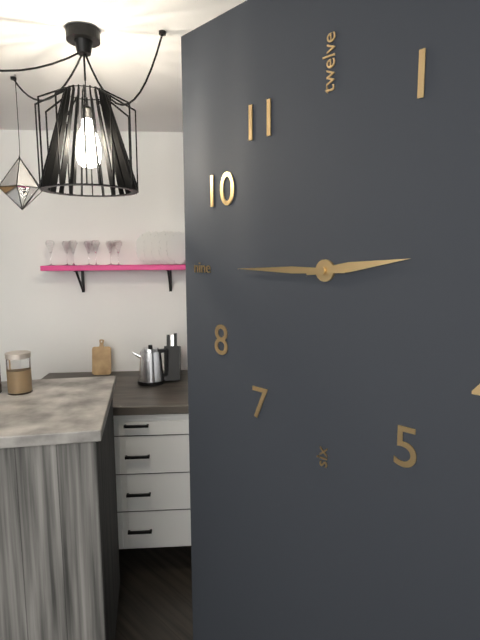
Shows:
{"hour": 2, "minute": 45}
